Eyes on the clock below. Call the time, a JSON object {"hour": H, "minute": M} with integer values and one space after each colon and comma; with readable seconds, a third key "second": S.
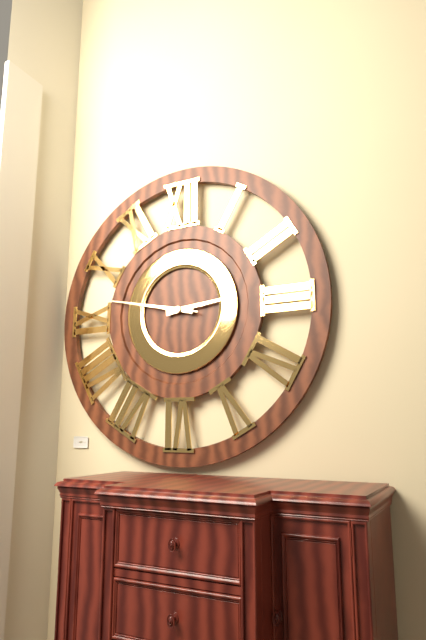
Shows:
{"hour": 2, "minute": 47, "second": 47}
